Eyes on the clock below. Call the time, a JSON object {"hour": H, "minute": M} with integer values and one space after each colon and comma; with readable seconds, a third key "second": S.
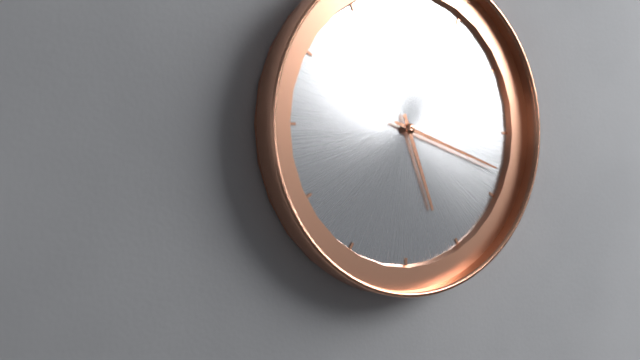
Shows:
{"hour": 5, "minute": 18}
